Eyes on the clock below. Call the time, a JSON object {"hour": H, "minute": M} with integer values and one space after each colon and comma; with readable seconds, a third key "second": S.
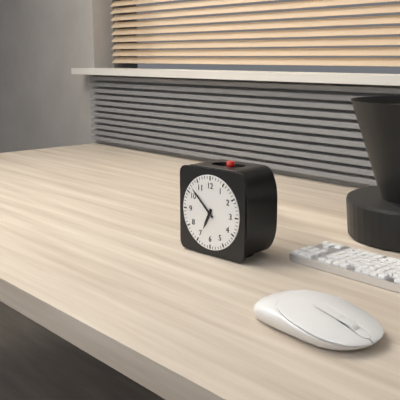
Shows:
{"hour": 6, "minute": 52}
